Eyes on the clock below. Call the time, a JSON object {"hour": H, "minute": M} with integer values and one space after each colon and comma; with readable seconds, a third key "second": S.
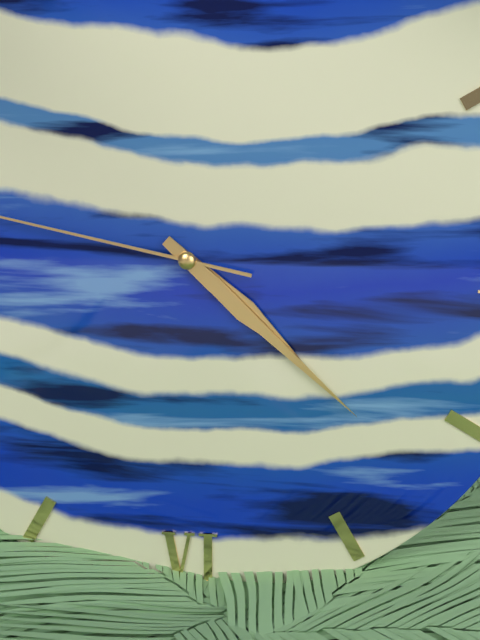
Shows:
{"hour": 4, "minute": 22}
